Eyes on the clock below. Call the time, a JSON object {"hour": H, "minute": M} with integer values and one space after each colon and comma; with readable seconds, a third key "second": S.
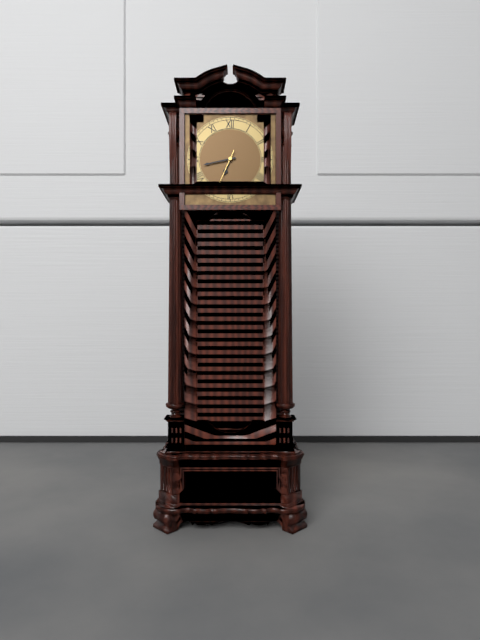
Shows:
{"hour": 6, "minute": 43}
